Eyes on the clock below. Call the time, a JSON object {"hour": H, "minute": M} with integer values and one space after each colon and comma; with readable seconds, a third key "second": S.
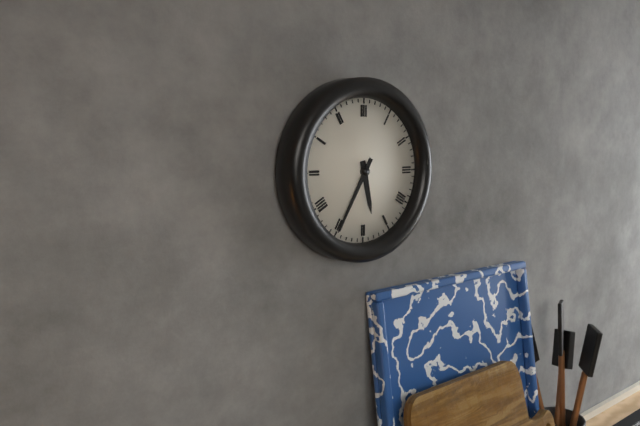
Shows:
{"hour": 5, "minute": 35}
